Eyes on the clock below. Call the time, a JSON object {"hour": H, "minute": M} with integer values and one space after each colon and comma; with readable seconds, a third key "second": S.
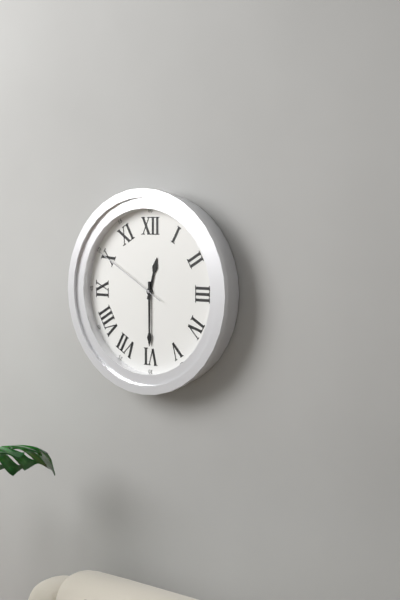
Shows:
{"hour": 12, "minute": 30, "second": 50}
